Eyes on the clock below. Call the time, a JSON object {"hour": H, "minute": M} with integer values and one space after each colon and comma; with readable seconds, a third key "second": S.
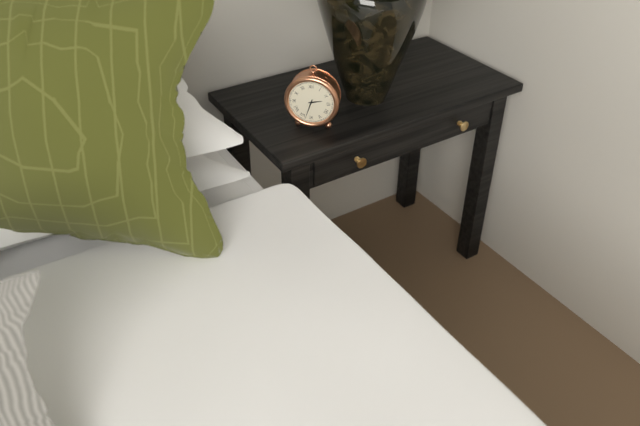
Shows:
{"hour": 2, "minute": 33}
